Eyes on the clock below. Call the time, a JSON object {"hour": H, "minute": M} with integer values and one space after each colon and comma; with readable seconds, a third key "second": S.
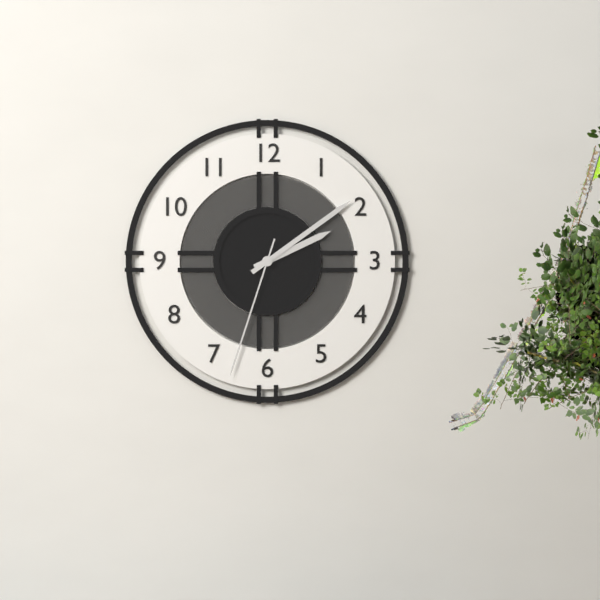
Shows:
{"hour": 2, "minute": 9, "second": 33}
